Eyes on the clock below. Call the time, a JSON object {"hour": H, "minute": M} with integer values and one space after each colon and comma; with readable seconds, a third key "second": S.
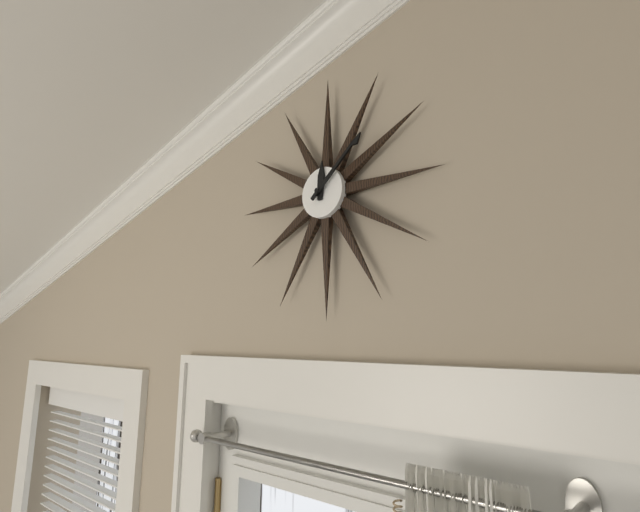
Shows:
{"hour": 12, "minute": 8}
